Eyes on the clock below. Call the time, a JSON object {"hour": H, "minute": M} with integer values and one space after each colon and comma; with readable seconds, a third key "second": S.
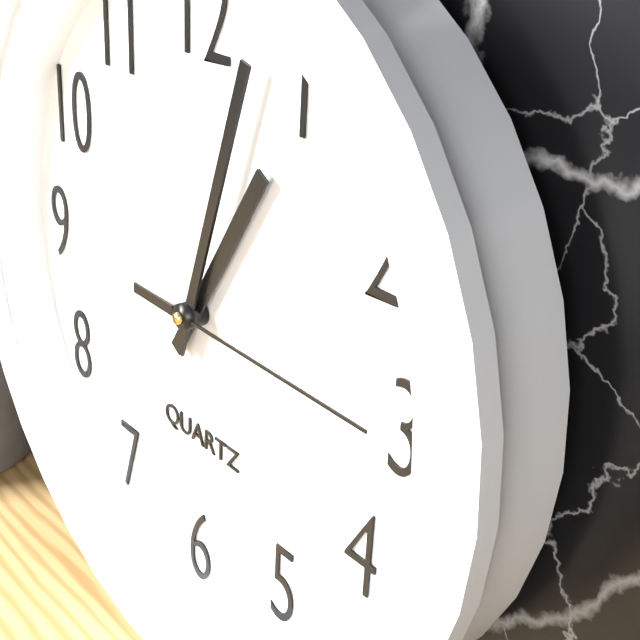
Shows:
{"hour": 1, "minute": 3, "second": 15}
